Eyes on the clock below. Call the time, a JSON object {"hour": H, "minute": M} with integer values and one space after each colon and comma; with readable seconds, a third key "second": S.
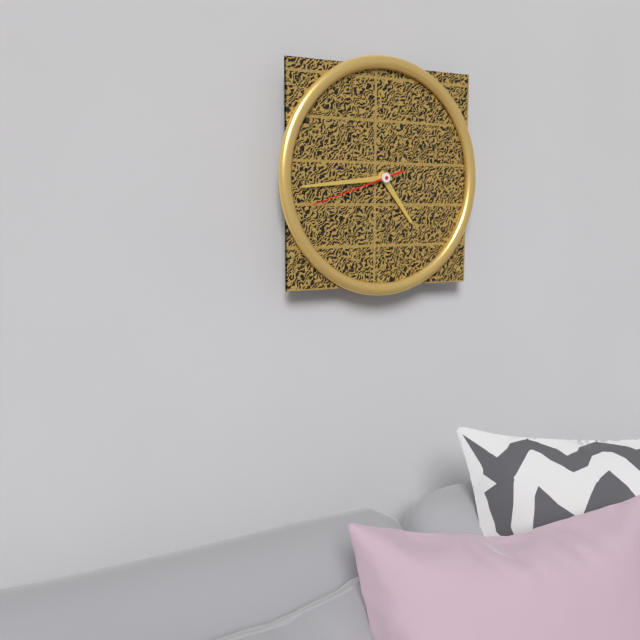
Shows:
{"hour": 4, "minute": 44, "second": 42}
